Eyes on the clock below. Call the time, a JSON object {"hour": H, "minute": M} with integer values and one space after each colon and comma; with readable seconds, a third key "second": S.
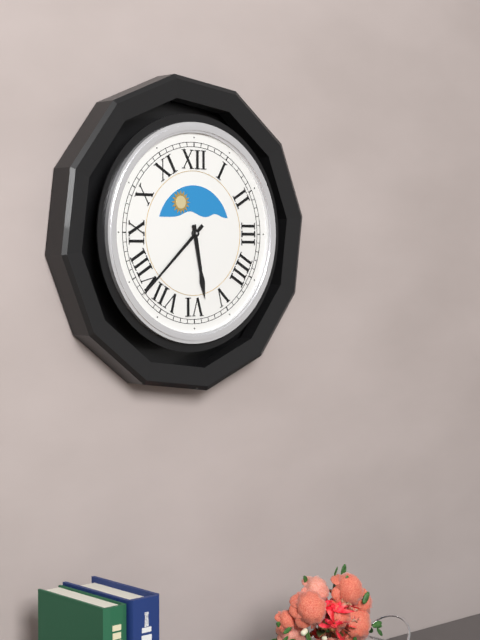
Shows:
{"hour": 5, "minute": 38}
